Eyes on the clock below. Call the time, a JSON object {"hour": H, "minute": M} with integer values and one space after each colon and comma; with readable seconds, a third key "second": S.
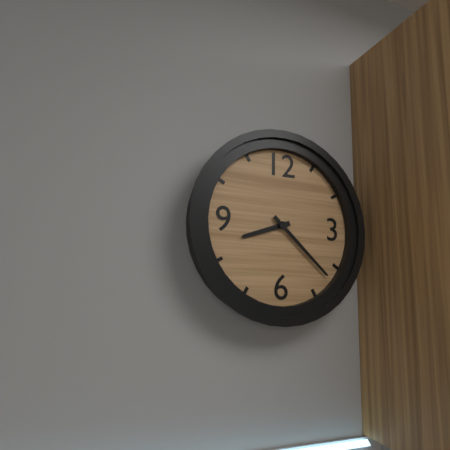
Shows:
{"hour": 8, "minute": 22}
